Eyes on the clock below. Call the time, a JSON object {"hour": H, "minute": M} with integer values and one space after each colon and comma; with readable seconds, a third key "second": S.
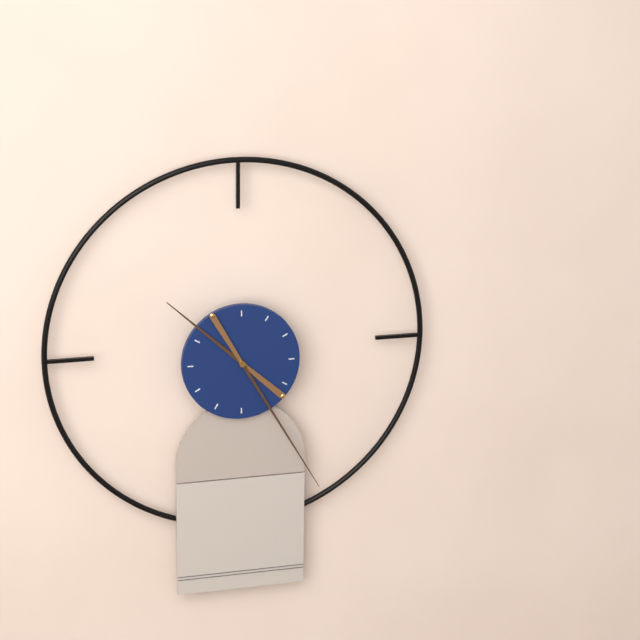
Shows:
{"hour": 10, "minute": 25}
